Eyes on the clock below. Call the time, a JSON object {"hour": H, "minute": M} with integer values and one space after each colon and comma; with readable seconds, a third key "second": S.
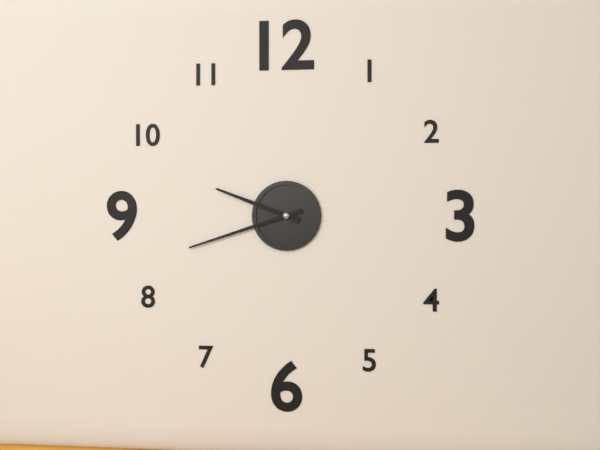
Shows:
{"hour": 9, "minute": 42}
